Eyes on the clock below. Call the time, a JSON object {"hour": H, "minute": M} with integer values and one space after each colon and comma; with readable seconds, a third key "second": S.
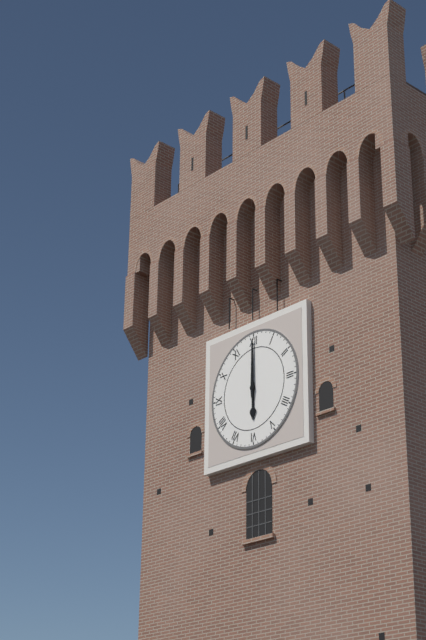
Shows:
{"hour": 6, "minute": 0}
